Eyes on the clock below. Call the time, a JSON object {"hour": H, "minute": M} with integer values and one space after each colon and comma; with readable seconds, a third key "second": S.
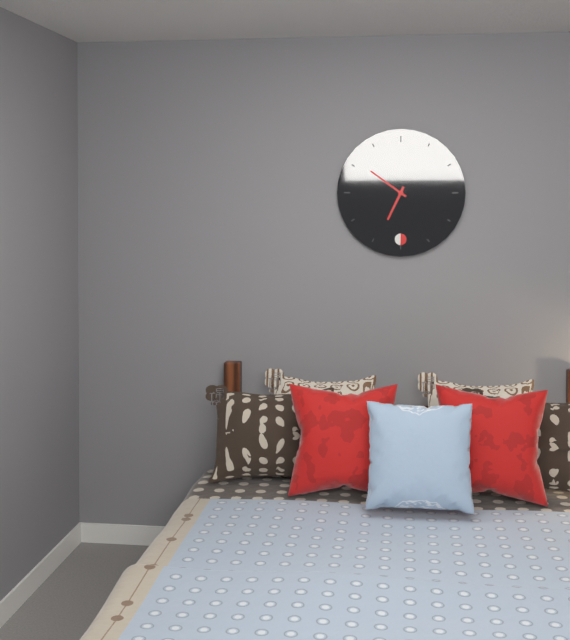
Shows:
{"hour": 6, "minute": 51}
